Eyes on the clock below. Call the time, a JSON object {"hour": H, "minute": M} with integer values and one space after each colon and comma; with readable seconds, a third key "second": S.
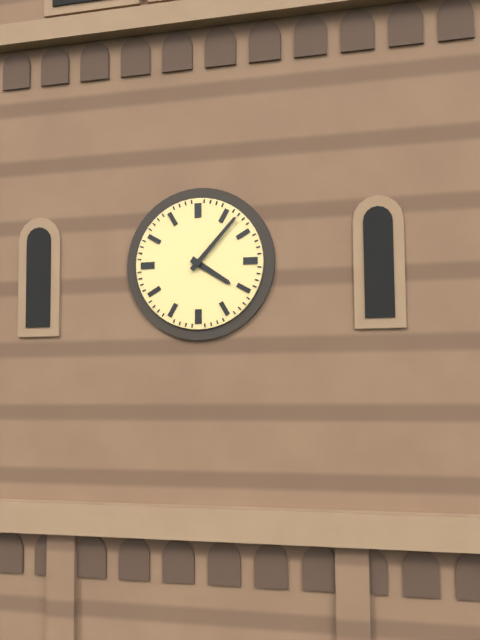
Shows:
{"hour": 4, "minute": 7}
